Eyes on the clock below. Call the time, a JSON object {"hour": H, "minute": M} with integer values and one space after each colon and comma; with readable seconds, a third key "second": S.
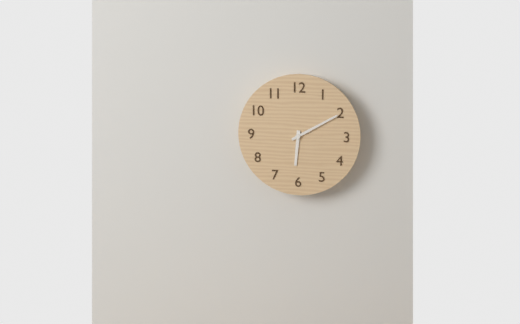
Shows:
{"hour": 6, "minute": 10}
